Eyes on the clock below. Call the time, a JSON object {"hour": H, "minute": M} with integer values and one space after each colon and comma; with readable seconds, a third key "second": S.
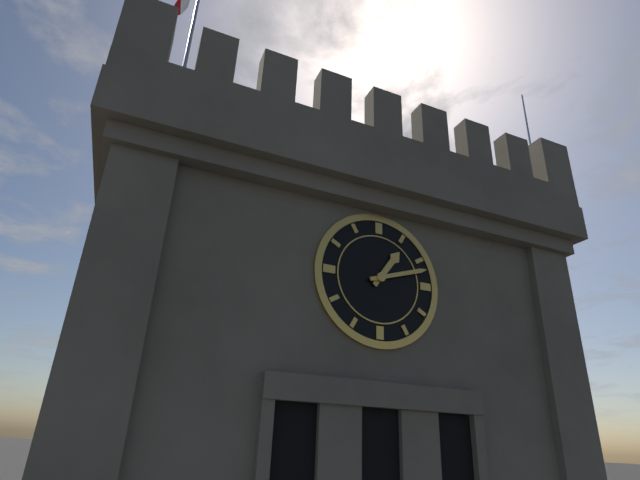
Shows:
{"hour": 1, "minute": 12}
